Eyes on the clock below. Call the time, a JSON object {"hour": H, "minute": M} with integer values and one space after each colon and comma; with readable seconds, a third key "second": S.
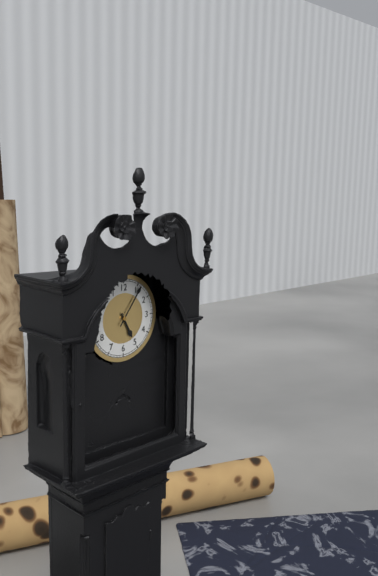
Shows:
{"hour": 5, "minute": 6}
